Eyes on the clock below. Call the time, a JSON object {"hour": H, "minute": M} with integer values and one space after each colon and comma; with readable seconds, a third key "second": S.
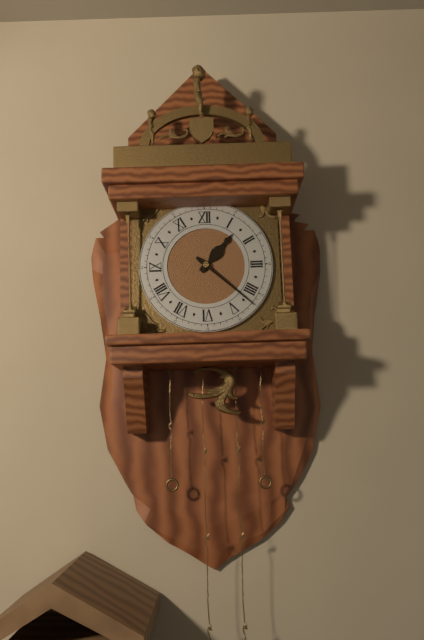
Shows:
{"hour": 1, "minute": 22}
